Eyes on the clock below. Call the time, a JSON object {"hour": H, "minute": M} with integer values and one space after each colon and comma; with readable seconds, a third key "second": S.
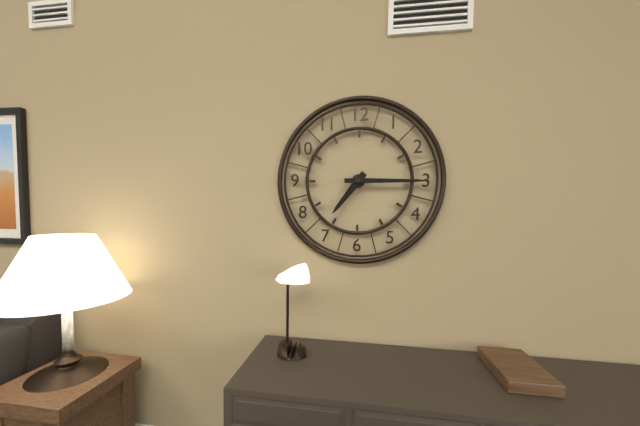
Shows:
{"hour": 7, "minute": 15}
